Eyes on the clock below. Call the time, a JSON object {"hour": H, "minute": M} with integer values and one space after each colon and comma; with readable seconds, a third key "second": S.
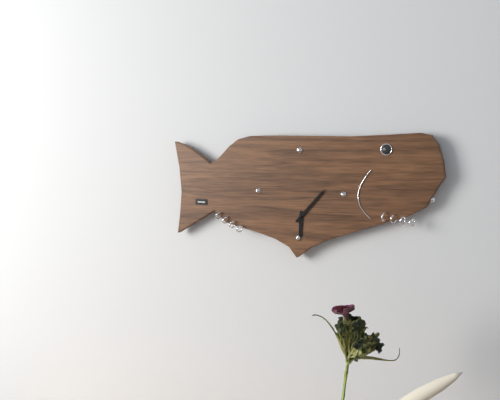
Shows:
{"hour": 6, "minute": 7}
